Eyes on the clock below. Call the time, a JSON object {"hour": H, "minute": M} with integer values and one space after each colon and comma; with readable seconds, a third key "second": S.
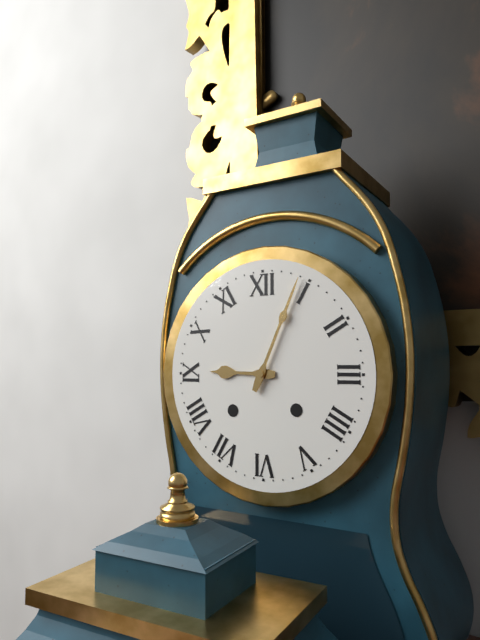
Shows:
{"hour": 9, "minute": 4}
